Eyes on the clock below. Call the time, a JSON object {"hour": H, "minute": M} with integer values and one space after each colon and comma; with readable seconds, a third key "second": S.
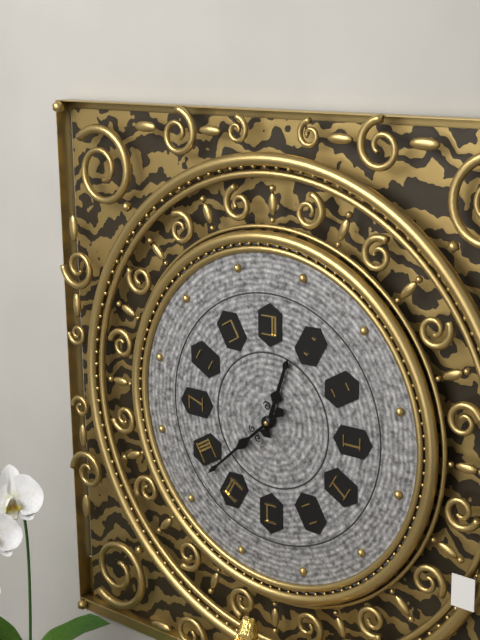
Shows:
{"hour": 12, "minute": 38}
